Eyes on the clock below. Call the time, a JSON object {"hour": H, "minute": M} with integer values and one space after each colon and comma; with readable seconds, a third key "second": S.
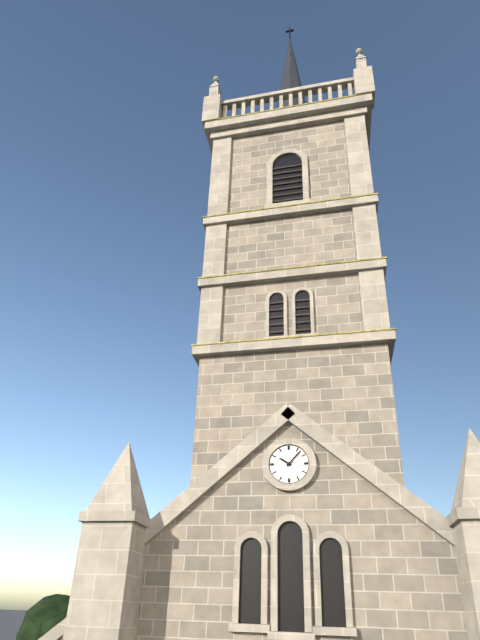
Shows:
{"hour": 10, "minute": 7}
